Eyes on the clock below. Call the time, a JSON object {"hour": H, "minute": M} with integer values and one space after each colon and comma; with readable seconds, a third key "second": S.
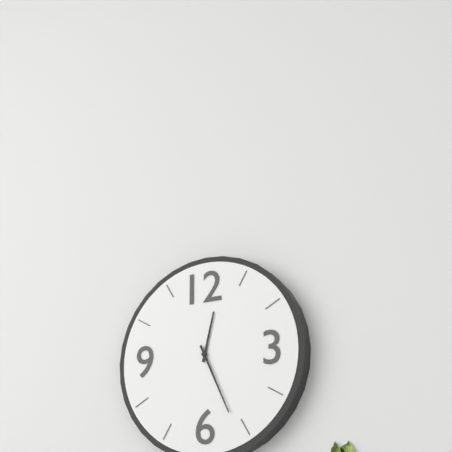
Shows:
{"hour": 12, "minute": 26}
